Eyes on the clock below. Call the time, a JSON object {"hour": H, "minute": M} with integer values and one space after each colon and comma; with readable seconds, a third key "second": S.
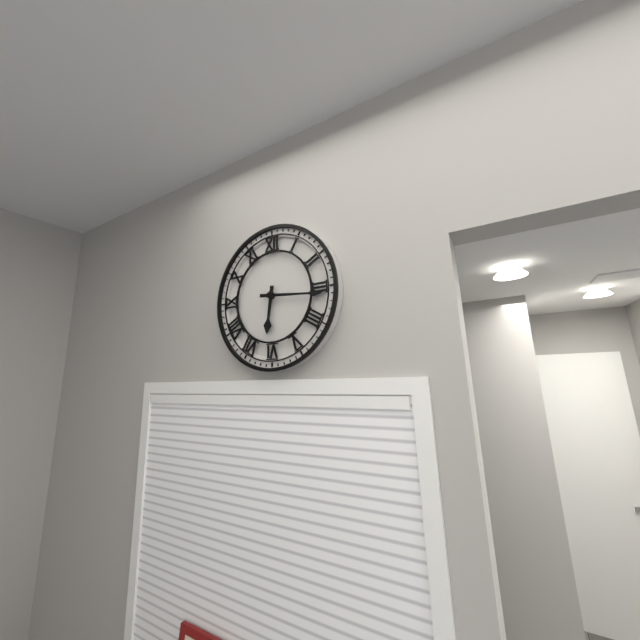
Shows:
{"hour": 6, "minute": 16}
